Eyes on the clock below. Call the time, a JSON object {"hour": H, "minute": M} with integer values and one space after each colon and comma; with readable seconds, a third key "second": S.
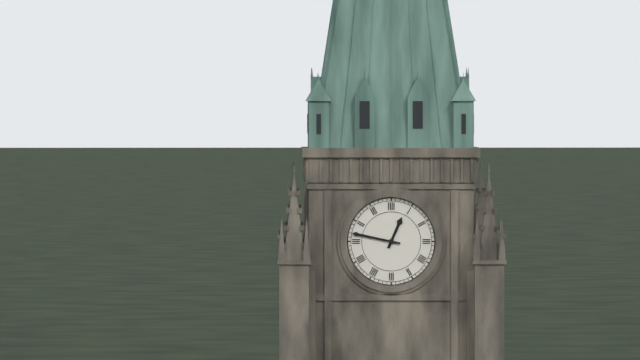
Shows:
{"hour": 12, "minute": 47}
